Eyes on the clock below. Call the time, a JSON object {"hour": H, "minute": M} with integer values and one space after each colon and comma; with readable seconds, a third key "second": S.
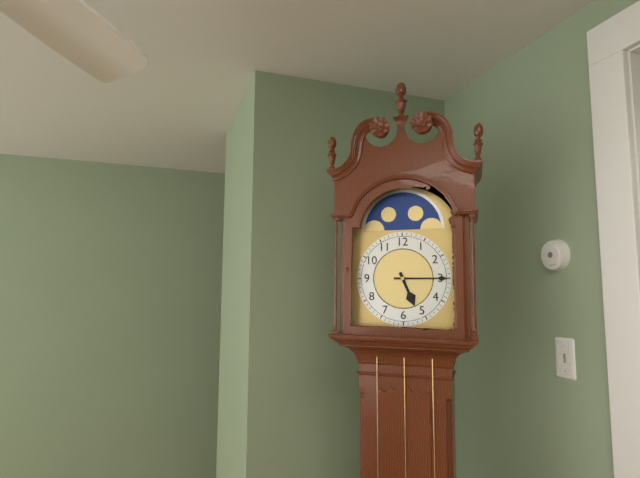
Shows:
{"hour": 5, "minute": 15}
